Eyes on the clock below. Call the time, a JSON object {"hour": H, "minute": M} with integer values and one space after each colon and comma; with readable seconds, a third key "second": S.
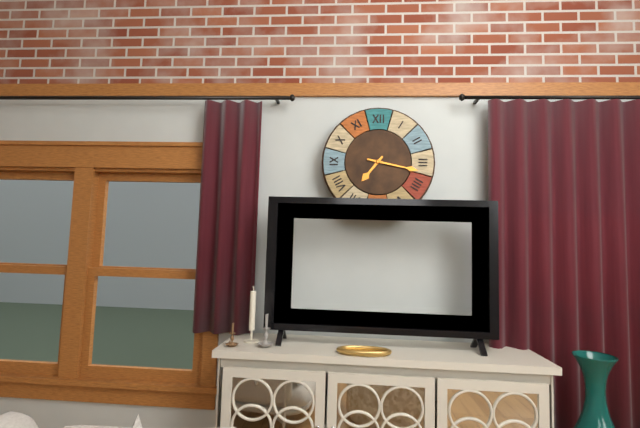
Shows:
{"hour": 7, "minute": 17}
